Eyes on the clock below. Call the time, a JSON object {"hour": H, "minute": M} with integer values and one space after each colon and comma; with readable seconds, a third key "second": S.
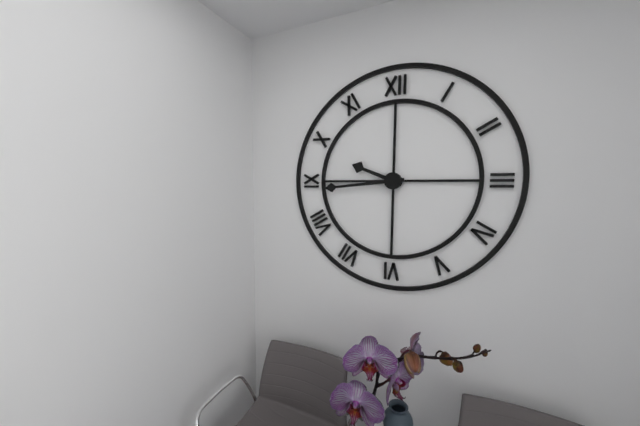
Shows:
{"hour": 9, "minute": 44}
